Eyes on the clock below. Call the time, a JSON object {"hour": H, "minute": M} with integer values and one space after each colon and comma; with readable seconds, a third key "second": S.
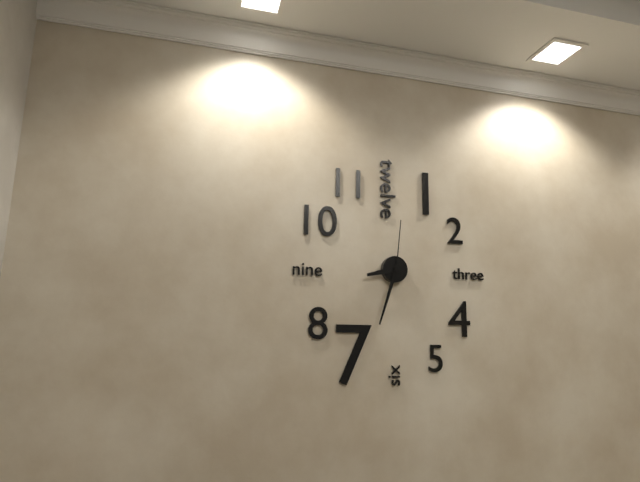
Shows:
{"hour": 8, "minute": 33, "second": 1}
